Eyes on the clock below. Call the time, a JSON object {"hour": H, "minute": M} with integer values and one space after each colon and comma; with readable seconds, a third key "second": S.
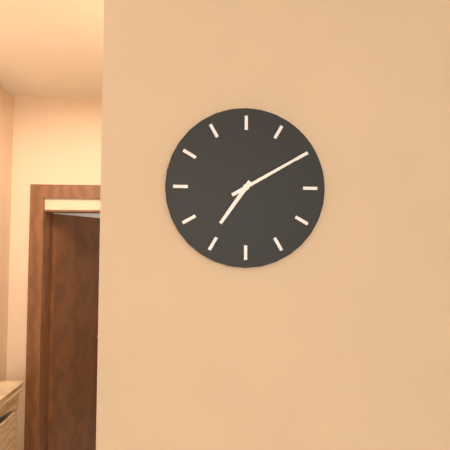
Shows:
{"hour": 7, "minute": 10}
